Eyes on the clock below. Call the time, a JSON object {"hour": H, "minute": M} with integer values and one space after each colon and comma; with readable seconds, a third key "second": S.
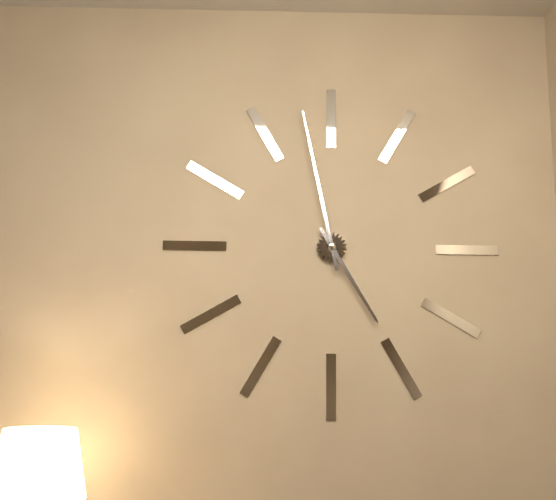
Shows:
{"hour": 4, "minute": 58}
